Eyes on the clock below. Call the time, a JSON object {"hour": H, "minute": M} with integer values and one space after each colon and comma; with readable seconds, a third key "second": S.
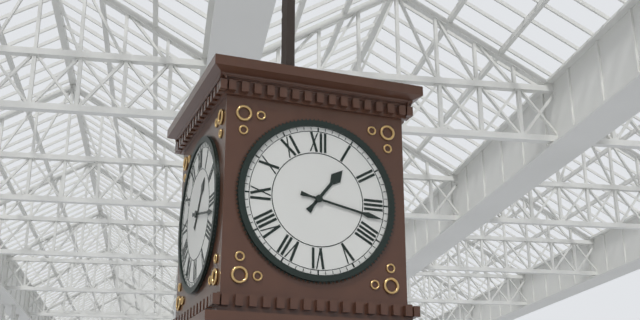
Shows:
{"hour": 1, "minute": 17}
